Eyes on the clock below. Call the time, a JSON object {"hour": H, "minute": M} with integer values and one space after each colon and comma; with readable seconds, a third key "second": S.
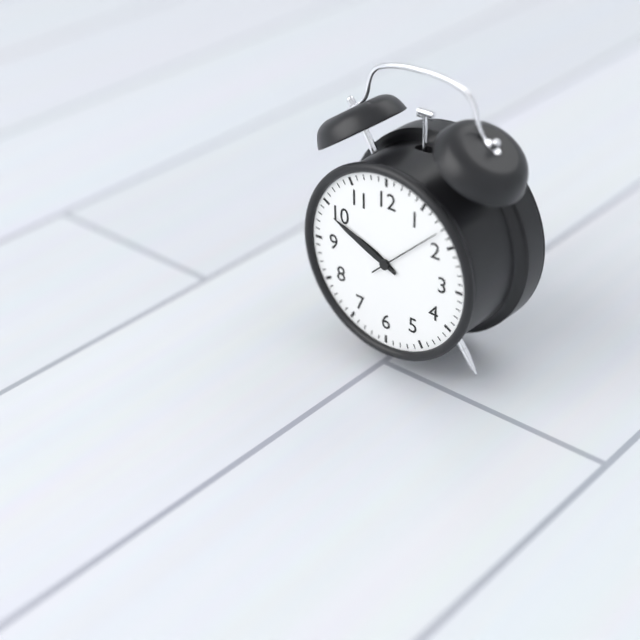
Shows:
{"hour": 9, "minute": 49, "second": 8}
